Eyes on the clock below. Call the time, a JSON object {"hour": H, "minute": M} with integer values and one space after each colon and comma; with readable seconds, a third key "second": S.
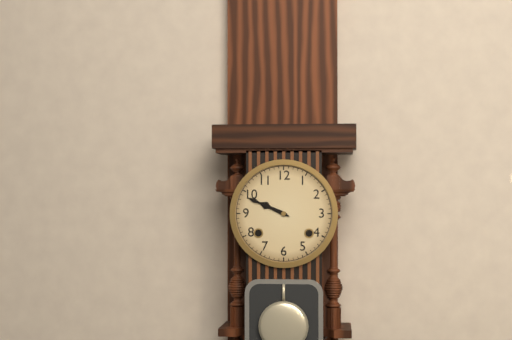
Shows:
{"hour": 9, "minute": 49}
